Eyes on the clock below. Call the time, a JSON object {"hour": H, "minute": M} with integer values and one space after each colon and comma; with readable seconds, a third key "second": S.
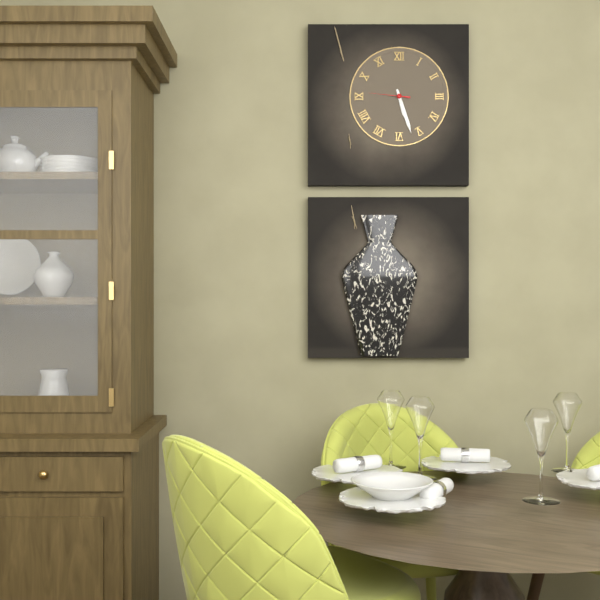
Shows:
{"hour": 5, "minute": 27}
